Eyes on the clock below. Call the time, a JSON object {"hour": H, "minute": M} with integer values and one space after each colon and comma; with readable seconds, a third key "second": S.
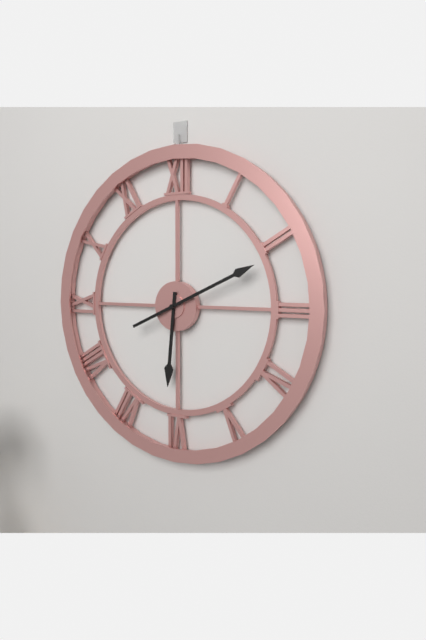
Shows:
{"hour": 6, "minute": 11}
